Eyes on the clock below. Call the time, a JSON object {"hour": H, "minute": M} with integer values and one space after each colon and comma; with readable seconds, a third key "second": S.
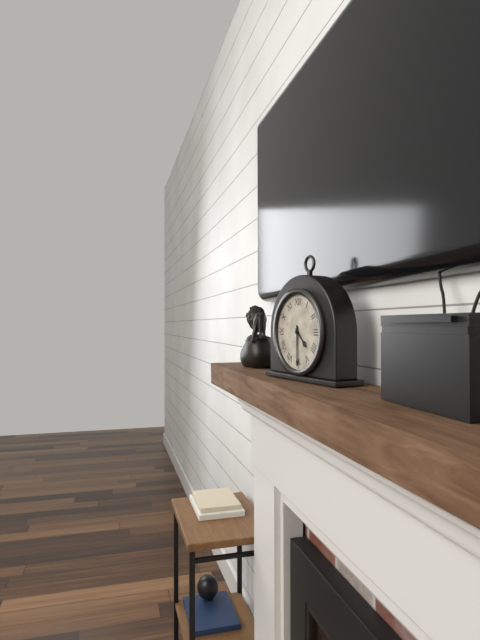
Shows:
{"hour": 4, "minute": 30}
